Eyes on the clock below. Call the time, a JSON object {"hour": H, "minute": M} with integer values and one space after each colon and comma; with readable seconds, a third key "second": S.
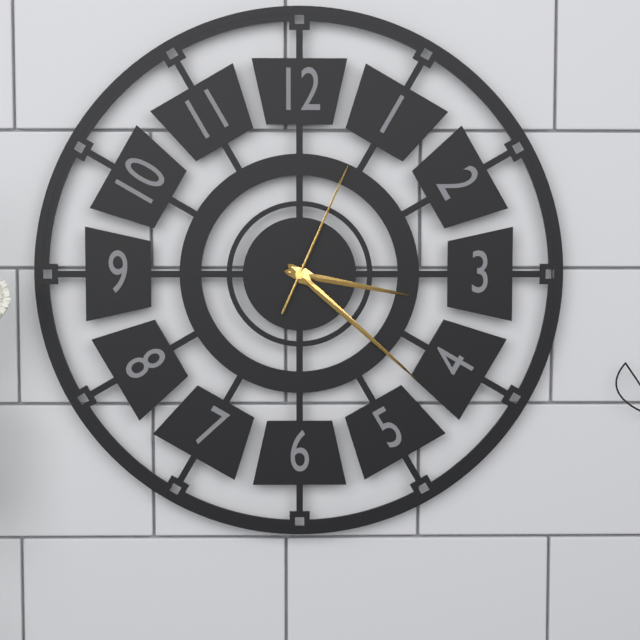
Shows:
{"hour": 3, "minute": 22, "second": 4}
